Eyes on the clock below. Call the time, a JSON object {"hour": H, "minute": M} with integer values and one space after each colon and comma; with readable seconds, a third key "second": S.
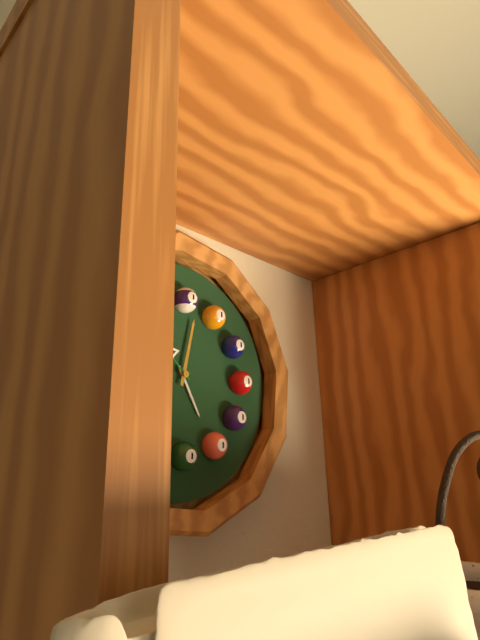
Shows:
{"hour": 5, "minute": 2}
